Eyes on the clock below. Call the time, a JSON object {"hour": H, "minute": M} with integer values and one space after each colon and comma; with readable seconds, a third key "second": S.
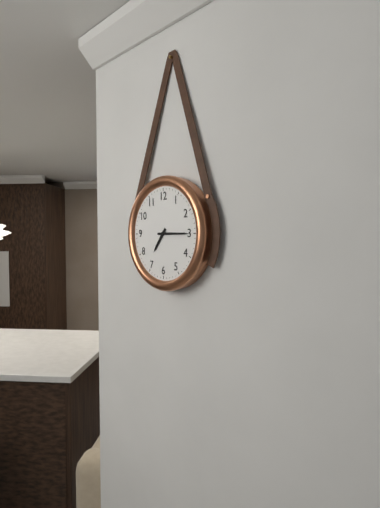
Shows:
{"hour": 7, "minute": 15}
